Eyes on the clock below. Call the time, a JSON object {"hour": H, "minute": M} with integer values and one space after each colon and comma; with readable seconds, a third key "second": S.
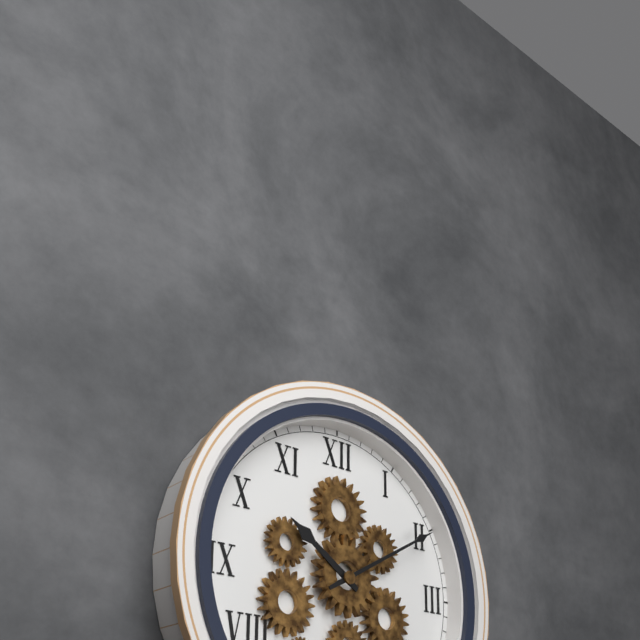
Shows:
{"hour": 10, "minute": 10}
